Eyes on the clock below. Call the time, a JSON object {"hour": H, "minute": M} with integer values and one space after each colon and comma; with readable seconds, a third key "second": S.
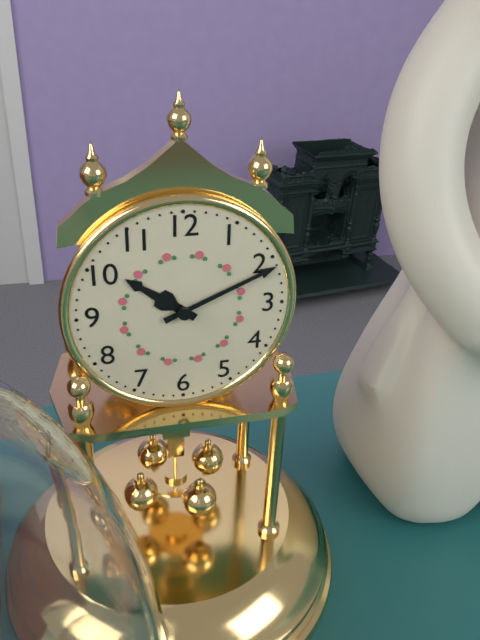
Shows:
{"hour": 10, "minute": 11}
